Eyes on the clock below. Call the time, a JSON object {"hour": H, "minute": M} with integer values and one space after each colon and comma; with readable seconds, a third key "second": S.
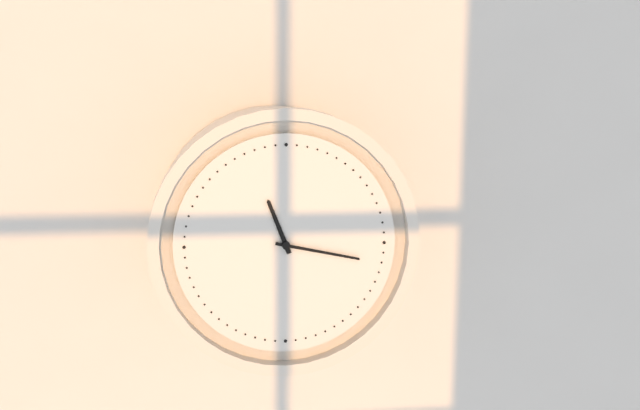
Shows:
{"hour": 11, "minute": 17}
